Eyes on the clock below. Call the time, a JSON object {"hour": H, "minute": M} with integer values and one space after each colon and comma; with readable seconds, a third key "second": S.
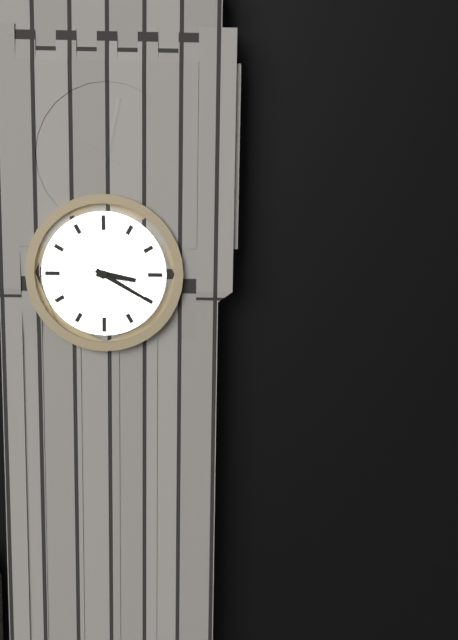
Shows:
{"hour": 3, "minute": 20}
